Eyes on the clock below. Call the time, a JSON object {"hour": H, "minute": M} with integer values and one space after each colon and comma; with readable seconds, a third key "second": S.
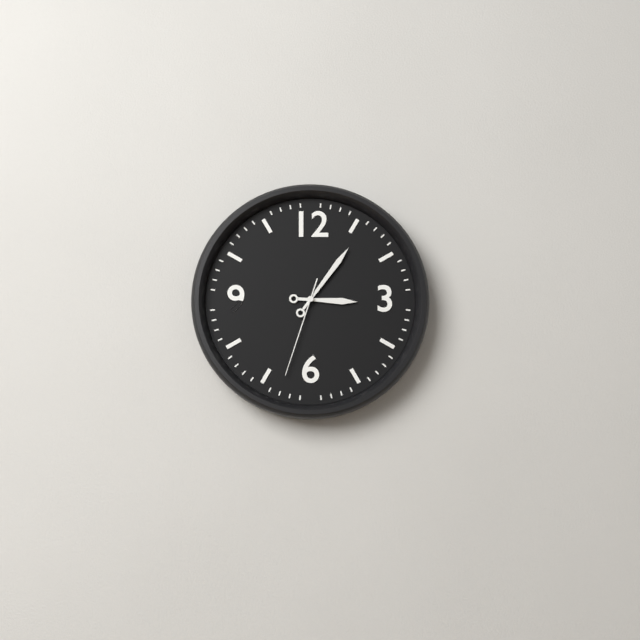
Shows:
{"hour": 3, "minute": 6, "second": 33}
